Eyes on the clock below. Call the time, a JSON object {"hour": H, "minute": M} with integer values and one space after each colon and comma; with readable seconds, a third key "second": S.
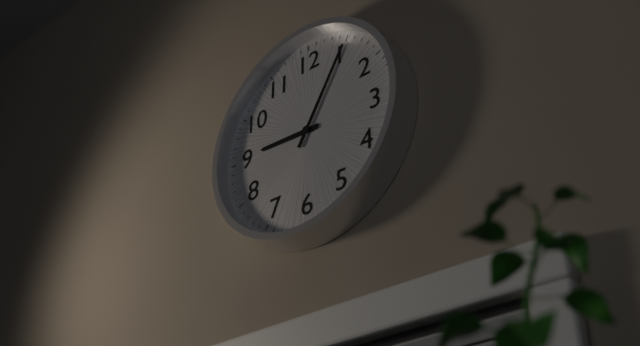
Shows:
{"hour": 9, "minute": 5}
